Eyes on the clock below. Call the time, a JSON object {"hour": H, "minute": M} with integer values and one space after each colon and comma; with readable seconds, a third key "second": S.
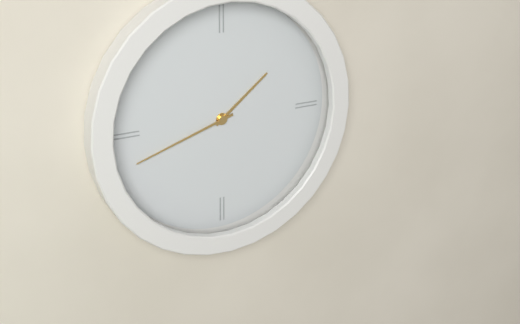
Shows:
{"hour": 1, "minute": 42}
